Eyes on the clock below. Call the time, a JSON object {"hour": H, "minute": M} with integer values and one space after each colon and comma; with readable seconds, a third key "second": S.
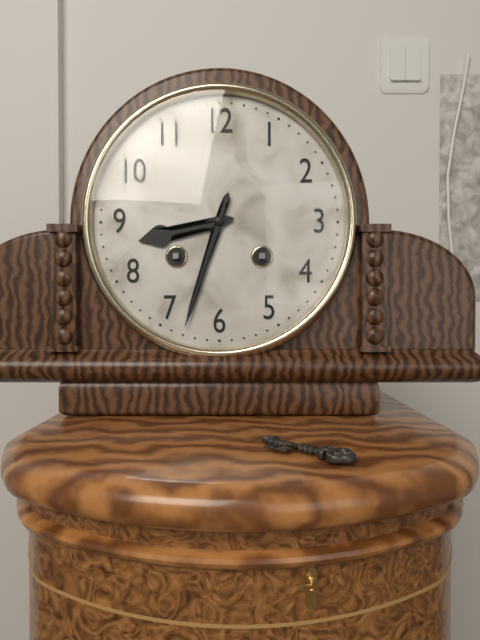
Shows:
{"hour": 8, "minute": 33}
